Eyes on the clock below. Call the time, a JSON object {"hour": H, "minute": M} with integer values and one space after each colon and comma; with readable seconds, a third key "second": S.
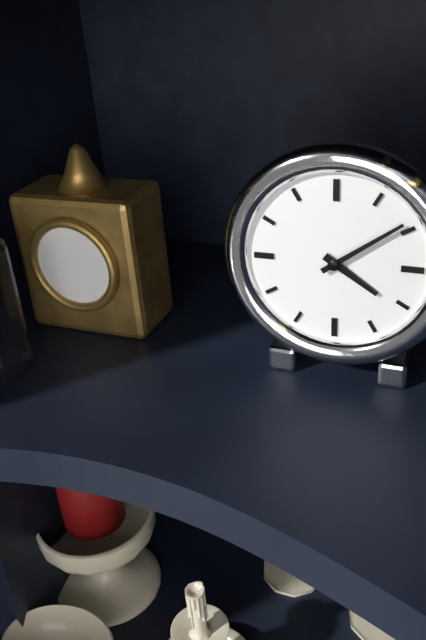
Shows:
{"hour": 4, "minute": 9}
